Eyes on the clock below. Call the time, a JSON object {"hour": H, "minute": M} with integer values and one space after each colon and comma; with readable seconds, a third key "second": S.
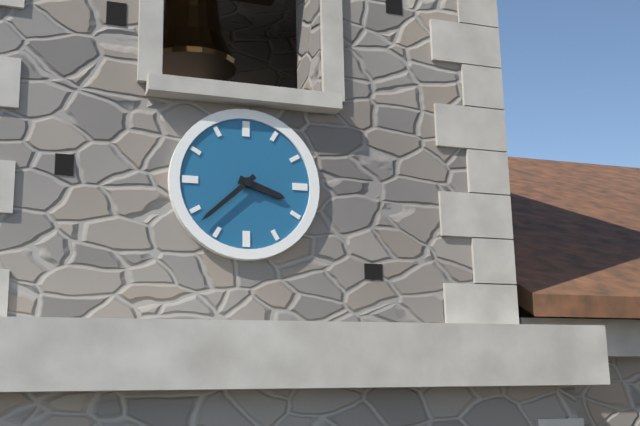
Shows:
{"hour": 3, "minute": 38}
